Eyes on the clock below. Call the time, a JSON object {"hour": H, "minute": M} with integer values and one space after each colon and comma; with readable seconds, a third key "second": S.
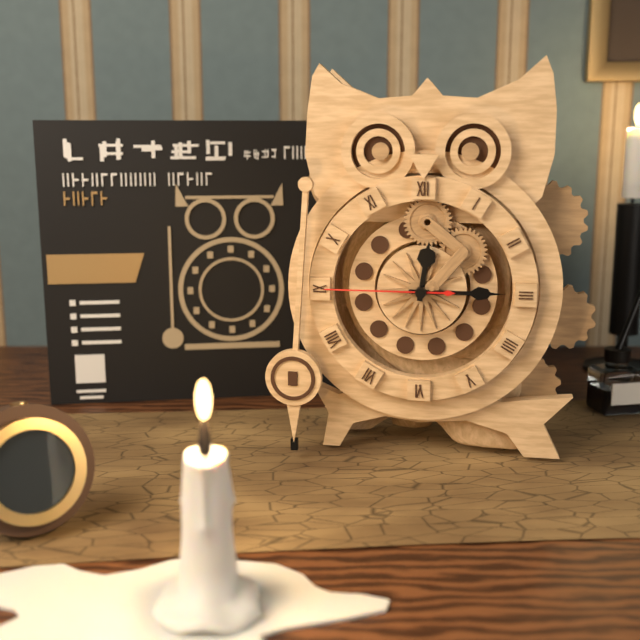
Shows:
{"hour": 12, "minute": 15, "second": 45}
